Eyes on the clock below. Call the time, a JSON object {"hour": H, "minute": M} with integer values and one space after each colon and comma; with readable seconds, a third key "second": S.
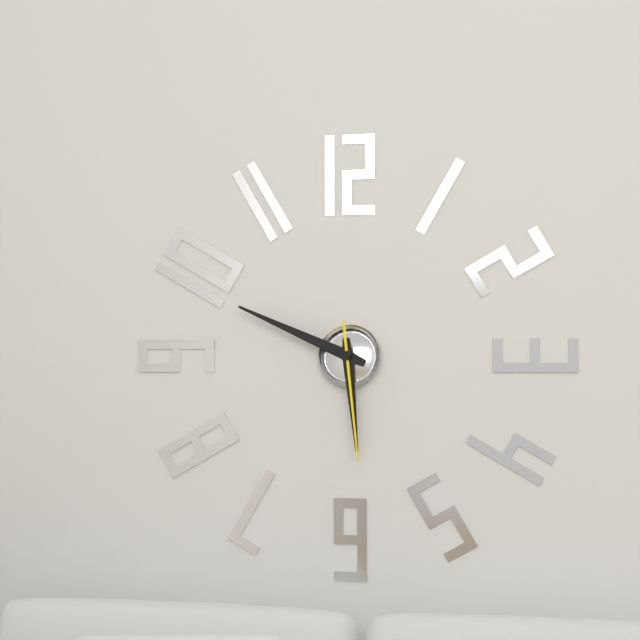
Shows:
{"hour": 5, "minute": 49, "second": 29}
